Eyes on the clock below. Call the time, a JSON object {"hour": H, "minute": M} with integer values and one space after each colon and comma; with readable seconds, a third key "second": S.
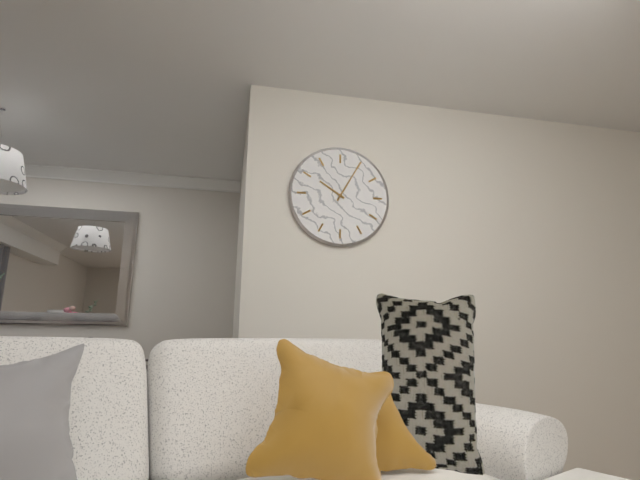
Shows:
{"hour": 10, "minute": 5}
